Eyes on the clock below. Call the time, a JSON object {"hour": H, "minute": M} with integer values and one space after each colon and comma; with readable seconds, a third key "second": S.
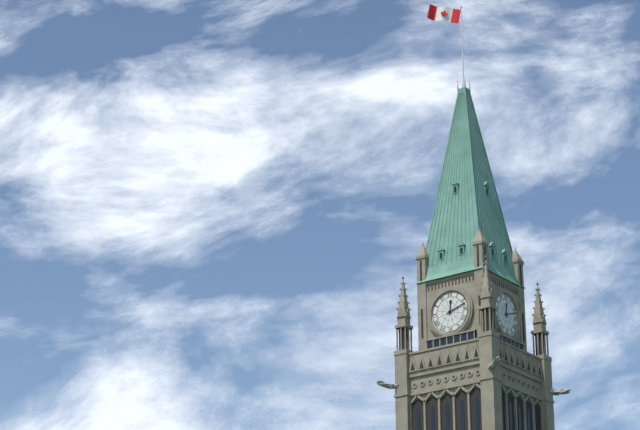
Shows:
{"hour": 12, "minute": 12}
